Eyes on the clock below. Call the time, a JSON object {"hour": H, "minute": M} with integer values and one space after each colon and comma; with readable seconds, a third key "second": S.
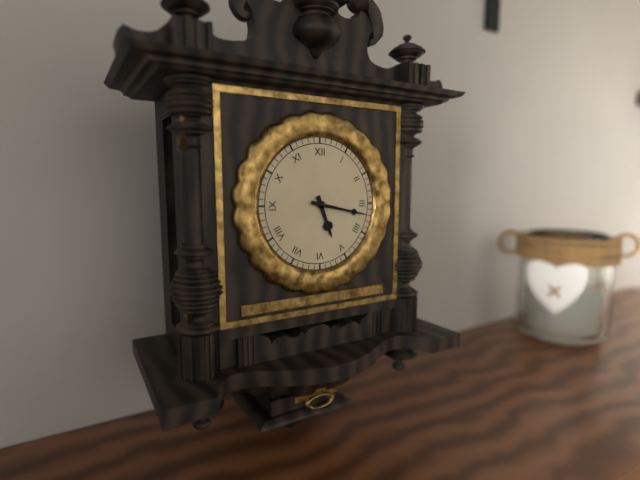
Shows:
{"hour": 5, "minute": 17}
